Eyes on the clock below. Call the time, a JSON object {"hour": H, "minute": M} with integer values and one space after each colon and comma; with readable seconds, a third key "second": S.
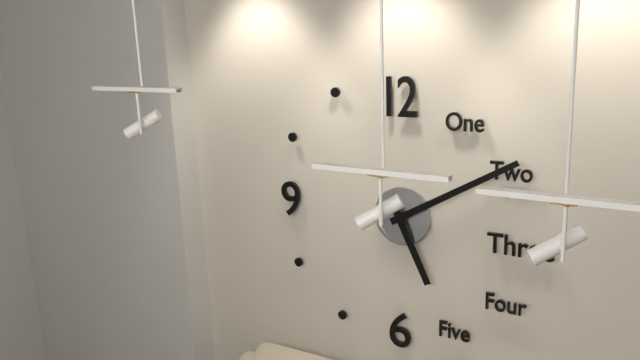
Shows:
{"hour": 5, "minute": 10}
